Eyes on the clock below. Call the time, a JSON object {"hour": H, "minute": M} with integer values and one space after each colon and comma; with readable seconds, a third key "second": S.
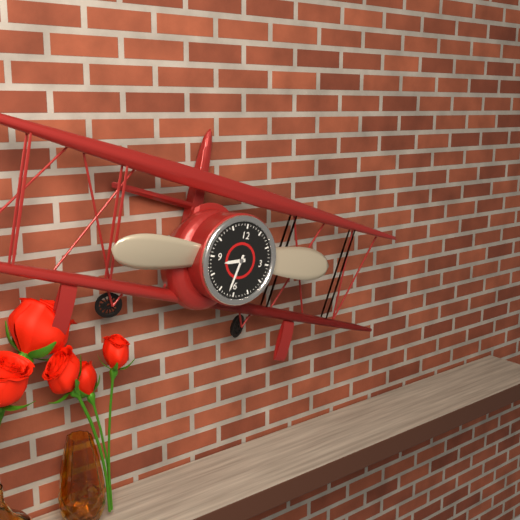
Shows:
{"hour": 8, "minute": 32}
